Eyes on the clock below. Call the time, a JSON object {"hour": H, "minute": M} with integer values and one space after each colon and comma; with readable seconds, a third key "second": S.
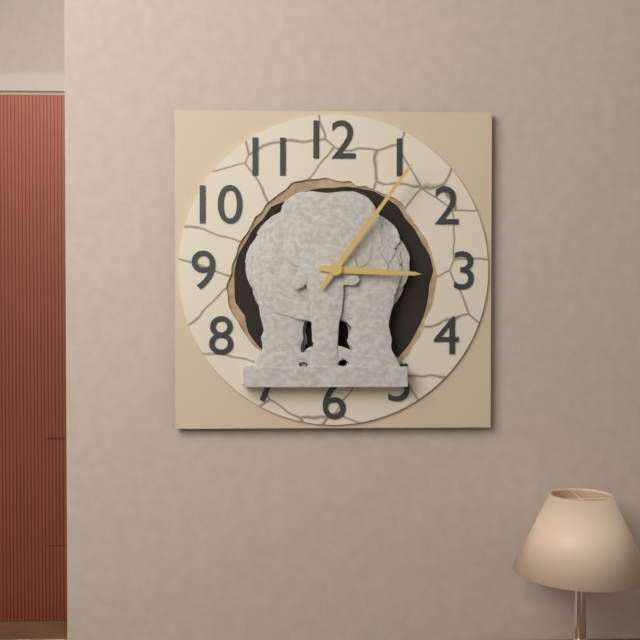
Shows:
{"hour": 3, "minute": 6}
